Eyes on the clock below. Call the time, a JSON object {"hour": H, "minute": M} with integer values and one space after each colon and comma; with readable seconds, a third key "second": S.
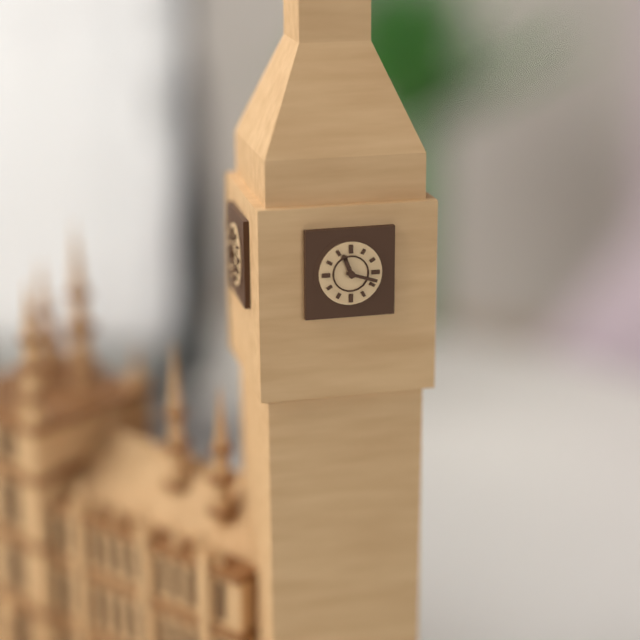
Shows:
{"hour": 11, "minute": 18}
